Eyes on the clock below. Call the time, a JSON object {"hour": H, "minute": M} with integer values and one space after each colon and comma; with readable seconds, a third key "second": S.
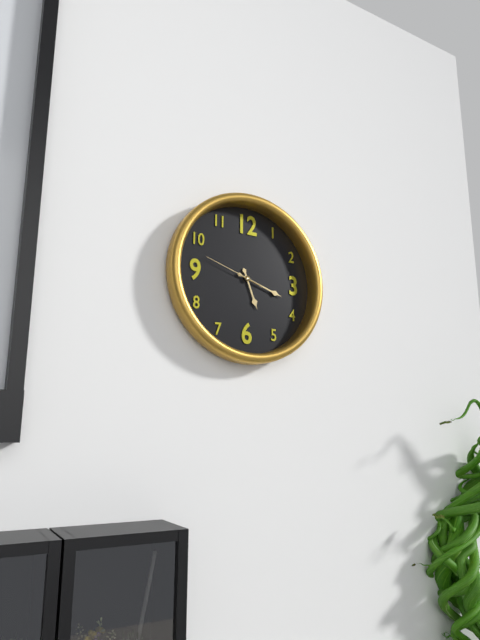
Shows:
{"hour": 5, "minute": 18, "second": 48}
